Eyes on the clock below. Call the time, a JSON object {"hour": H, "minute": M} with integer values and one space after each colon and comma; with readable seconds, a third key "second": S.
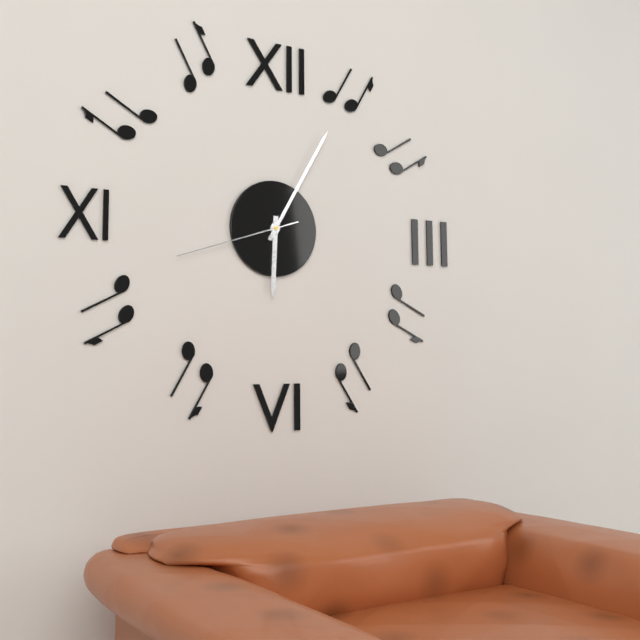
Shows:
{"hour": 6, "minute": 5, "second": 42}
